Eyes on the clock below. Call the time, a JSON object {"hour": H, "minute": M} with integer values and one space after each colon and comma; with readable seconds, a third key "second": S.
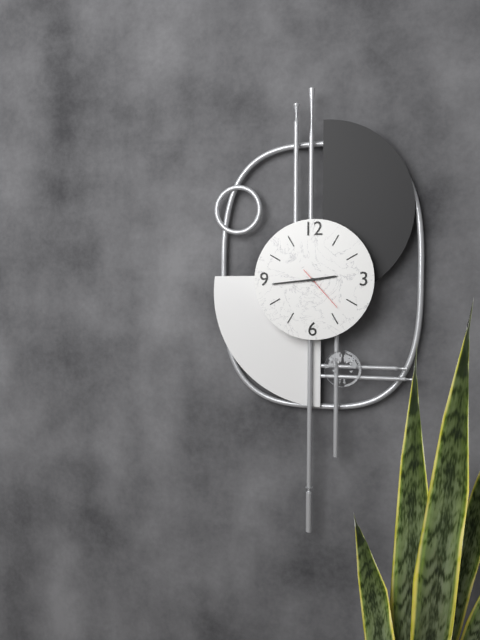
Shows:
{"hour": 2, "minute": 44}
